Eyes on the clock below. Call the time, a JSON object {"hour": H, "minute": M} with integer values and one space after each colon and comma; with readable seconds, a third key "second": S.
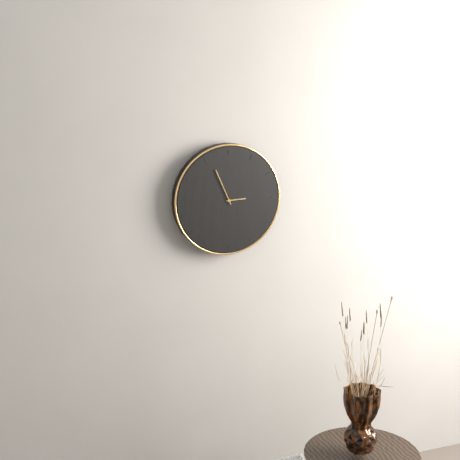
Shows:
{"hour": 2, "minute": 56}
